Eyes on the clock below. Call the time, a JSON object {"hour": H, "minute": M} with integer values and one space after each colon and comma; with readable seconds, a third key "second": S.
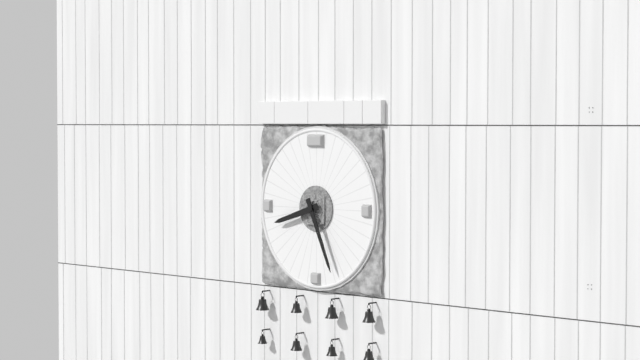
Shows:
{"hour": 8, "minute": 26}
